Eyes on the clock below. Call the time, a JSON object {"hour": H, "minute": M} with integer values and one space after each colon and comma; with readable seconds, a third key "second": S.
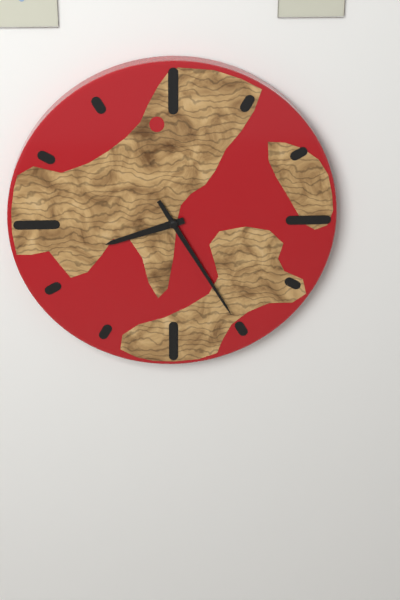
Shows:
{"hour": 8, "minute": 25}
